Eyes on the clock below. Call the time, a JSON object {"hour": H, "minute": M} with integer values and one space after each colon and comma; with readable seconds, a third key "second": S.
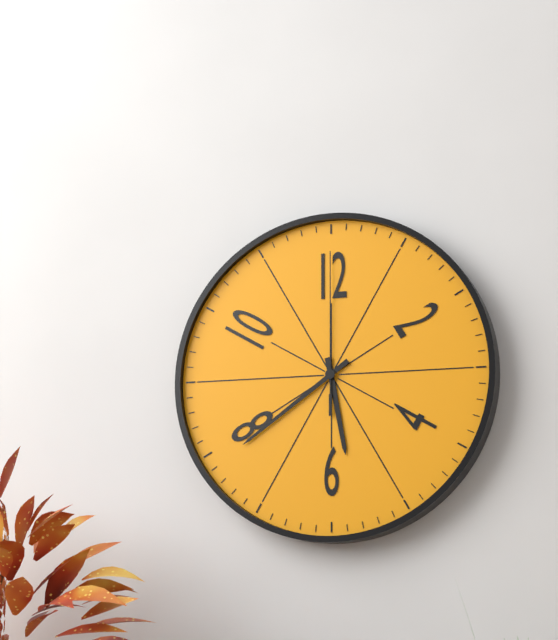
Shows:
{"hour": 5, "minute": 39, "second": 0}
